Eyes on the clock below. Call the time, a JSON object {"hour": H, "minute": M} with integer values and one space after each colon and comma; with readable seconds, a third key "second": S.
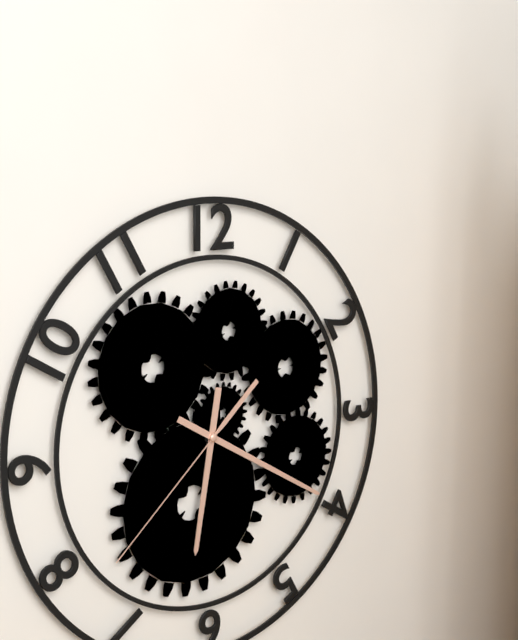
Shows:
{"hour": 6, "minute": 20, "second": 38}
